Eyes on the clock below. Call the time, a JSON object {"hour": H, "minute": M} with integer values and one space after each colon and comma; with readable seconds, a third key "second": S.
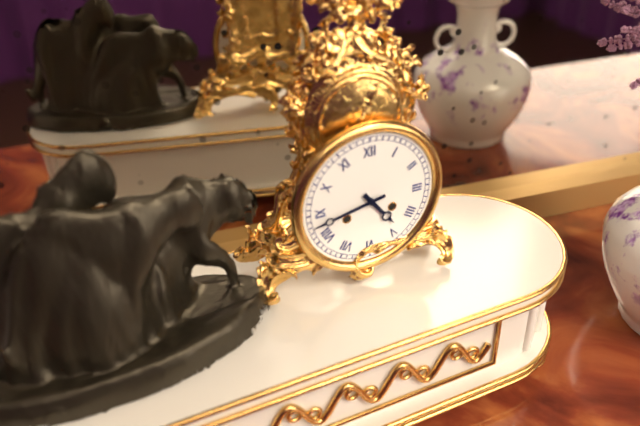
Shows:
{"hour": 4, "minute": 43}
